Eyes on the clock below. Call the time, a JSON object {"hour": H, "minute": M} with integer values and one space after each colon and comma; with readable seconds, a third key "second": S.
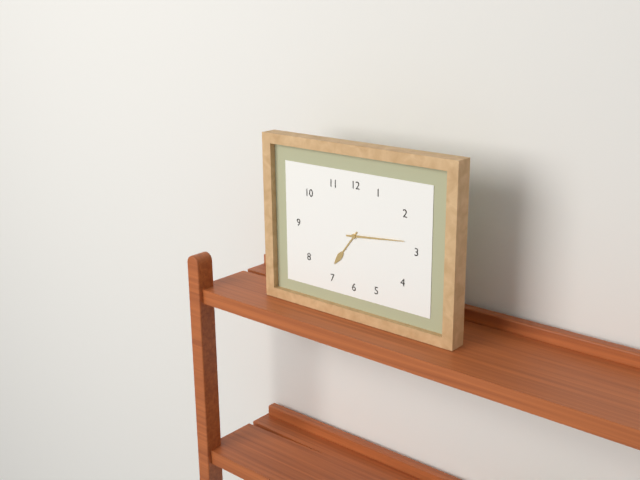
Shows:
{"hour": 7, "minute": 14}
